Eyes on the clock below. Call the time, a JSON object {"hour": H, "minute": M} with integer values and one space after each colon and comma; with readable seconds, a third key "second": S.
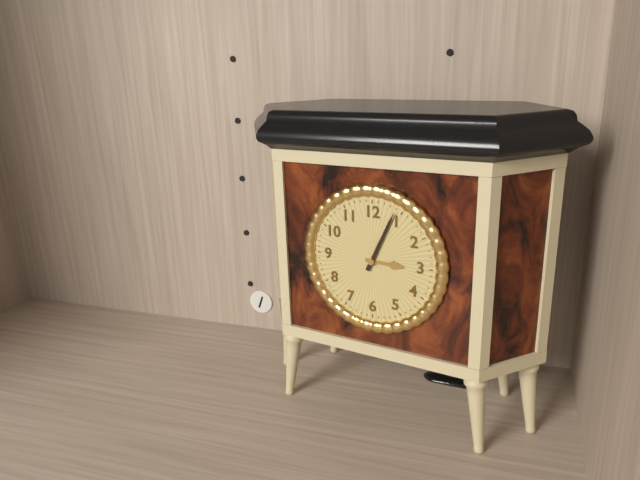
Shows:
{"hour": 3, "minute": 4}
